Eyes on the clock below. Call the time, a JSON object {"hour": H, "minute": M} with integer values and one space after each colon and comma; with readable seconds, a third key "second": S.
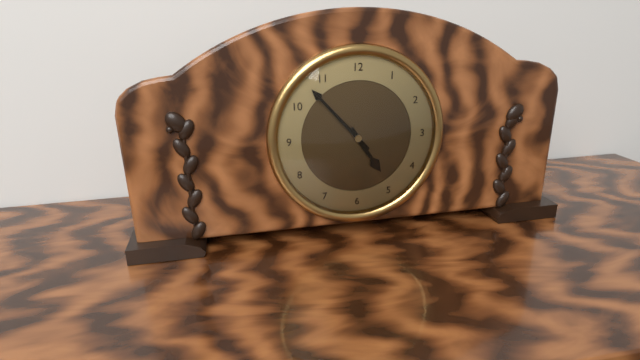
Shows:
{"hour": 4, "minute": 53}
